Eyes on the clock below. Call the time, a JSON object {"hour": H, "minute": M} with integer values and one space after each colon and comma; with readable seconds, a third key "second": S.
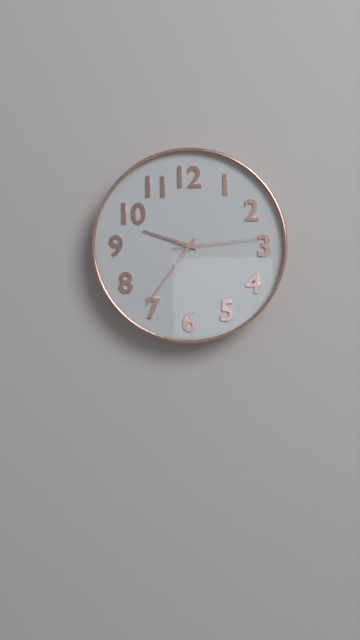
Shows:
{"hour": 9, "minute": 36, "second": 14}
